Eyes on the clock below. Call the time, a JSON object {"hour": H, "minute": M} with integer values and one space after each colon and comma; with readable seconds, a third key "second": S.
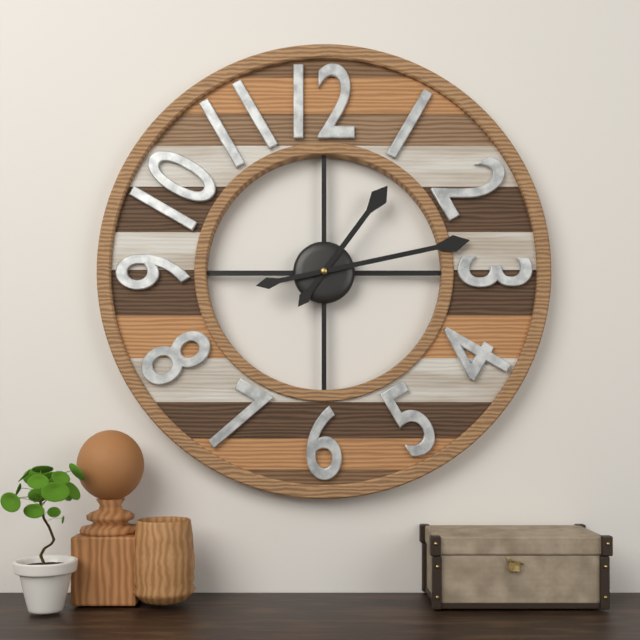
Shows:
{"hour": 1, "minute": 13}
